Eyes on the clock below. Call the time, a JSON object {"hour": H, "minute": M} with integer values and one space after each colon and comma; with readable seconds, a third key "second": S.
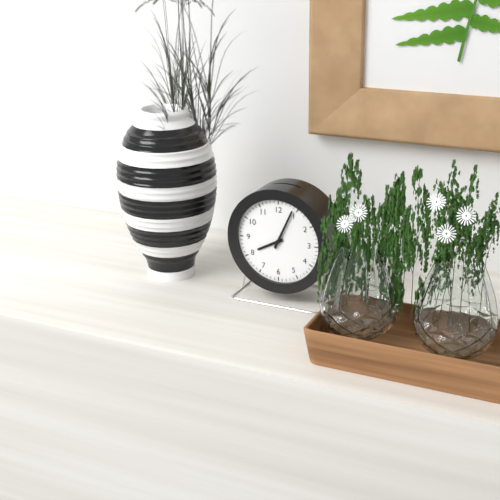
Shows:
{"hour": 8, "minute": 4}
